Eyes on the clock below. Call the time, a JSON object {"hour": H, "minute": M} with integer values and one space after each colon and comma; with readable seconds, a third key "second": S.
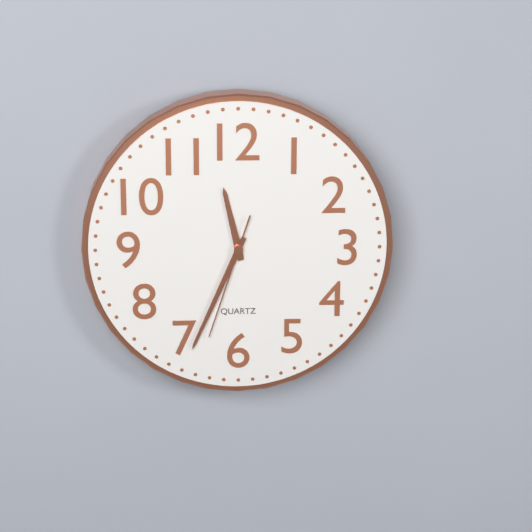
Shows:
{"hour": 11, "minute": 34, "second": 33}
